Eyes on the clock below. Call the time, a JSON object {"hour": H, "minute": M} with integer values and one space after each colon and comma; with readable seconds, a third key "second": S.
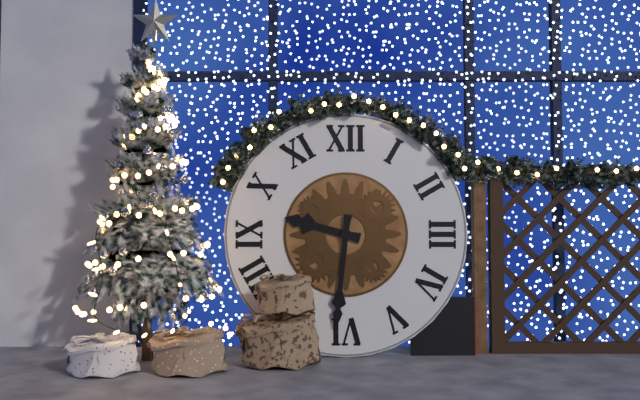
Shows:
{"hour": 9, "minute": 31}
